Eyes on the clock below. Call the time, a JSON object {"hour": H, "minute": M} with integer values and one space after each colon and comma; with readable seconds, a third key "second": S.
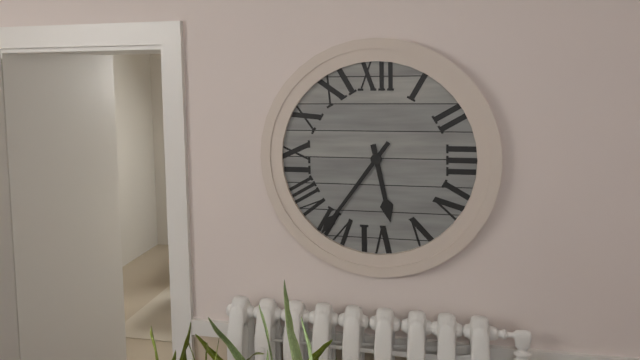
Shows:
{"hour": 5, "minute": 36}
